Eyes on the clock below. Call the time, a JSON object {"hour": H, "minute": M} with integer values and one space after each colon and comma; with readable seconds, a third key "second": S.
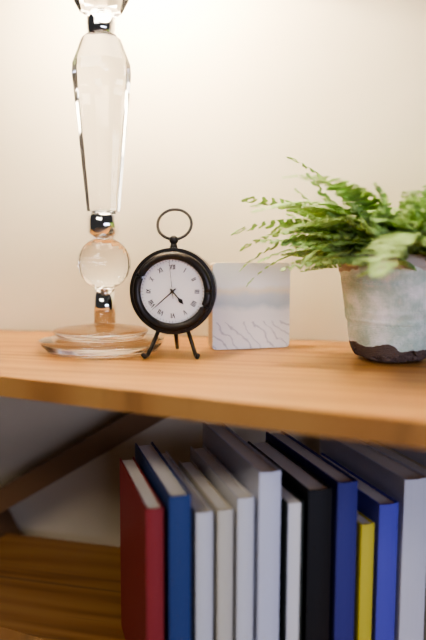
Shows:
{"hour": 4, "minute": 38}
